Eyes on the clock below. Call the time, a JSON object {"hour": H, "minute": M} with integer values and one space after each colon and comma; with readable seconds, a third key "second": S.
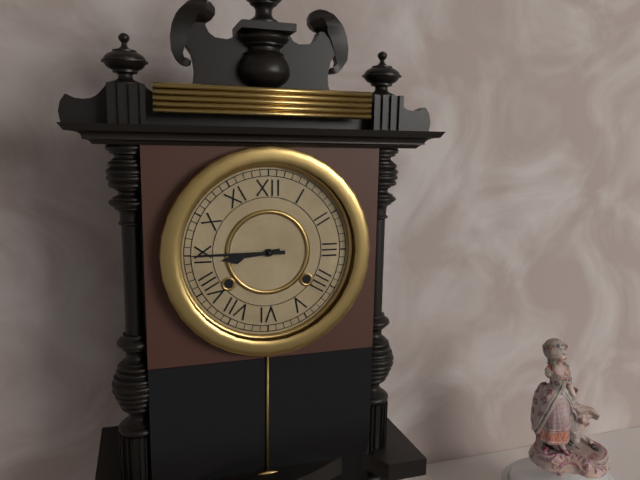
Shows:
{"hour": 8, "minute": 45}
